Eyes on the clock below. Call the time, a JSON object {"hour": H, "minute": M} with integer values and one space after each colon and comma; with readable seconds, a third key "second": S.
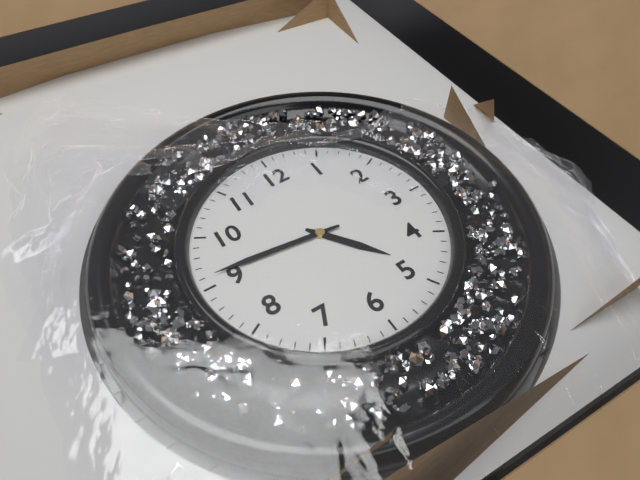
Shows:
{"hour": 4, "minute": 46}
